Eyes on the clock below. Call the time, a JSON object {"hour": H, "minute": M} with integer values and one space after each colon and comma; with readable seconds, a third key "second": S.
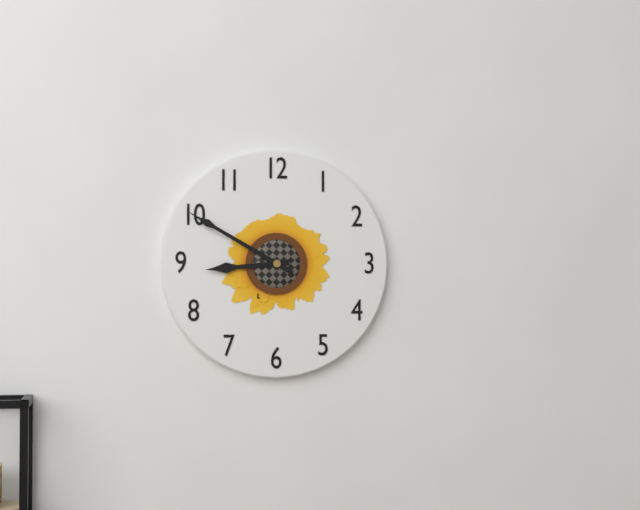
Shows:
{"hour": 8, "minute": 50}
